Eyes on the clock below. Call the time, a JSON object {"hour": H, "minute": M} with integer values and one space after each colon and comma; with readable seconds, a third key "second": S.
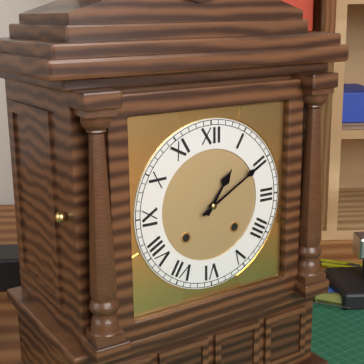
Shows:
{"hour": 1, "minute": 10}
